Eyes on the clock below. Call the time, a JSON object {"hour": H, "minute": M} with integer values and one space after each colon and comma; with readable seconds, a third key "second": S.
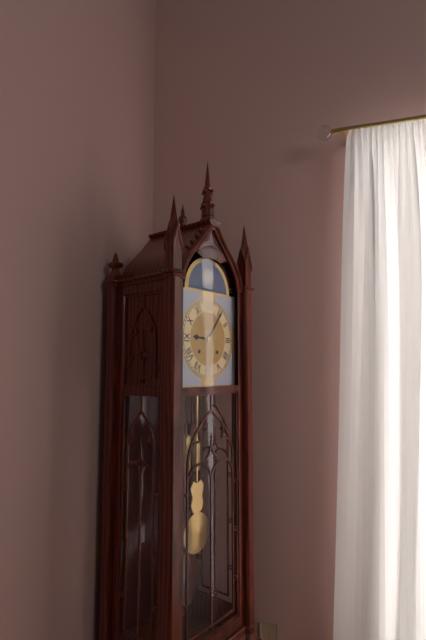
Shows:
{"hour": 9, "minute": 6}
